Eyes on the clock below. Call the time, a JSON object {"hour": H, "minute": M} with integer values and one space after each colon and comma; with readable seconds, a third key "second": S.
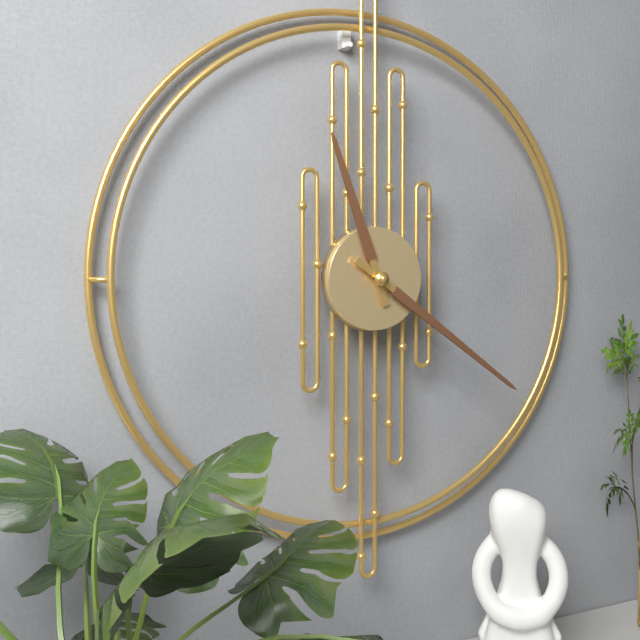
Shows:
{"hour": 11, "minute": 21}
